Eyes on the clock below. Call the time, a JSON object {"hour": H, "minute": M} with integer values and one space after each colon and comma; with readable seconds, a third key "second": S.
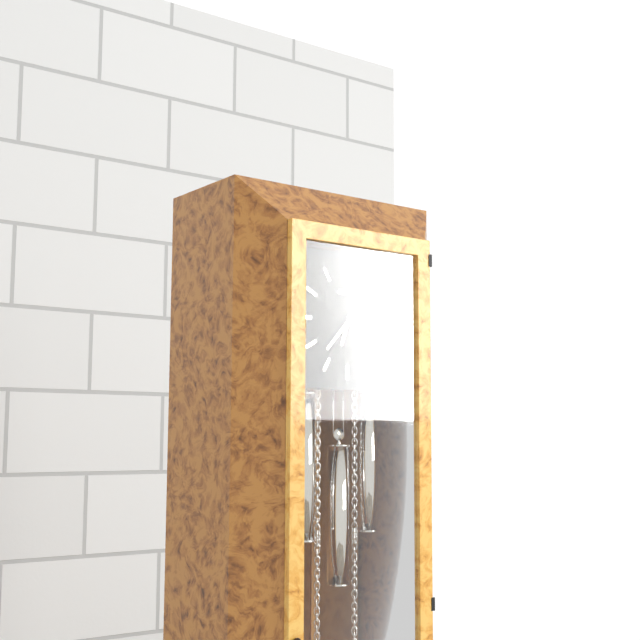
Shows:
{"hour": 6, "minute": 37}
